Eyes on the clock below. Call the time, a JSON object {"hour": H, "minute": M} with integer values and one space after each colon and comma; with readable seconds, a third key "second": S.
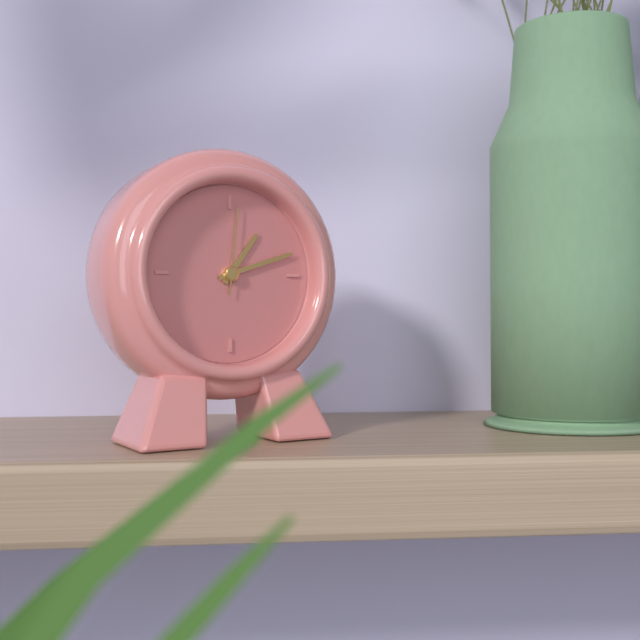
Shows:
{"hour": 1, "minute": 12, "second": 1}
